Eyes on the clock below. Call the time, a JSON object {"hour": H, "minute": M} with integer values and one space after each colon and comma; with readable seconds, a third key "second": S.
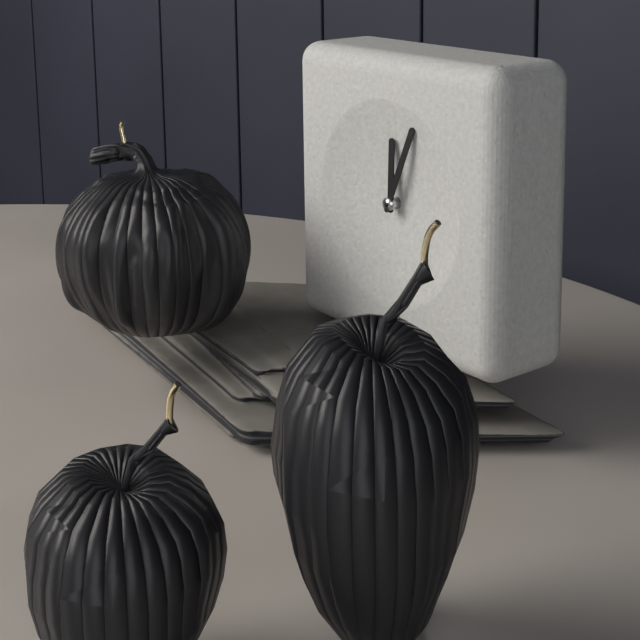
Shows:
{"hour": 12, "minute": 4}
